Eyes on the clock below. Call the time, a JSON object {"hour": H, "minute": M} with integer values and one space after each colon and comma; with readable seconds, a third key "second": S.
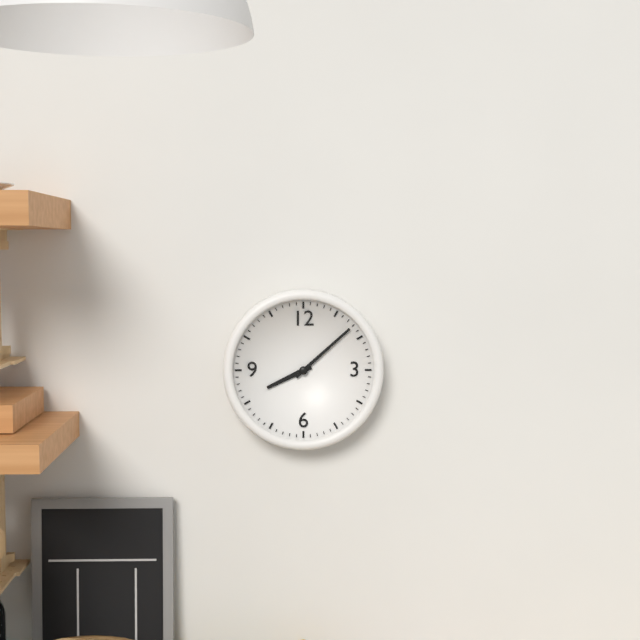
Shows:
{"hour": 8, "minute": 8}
